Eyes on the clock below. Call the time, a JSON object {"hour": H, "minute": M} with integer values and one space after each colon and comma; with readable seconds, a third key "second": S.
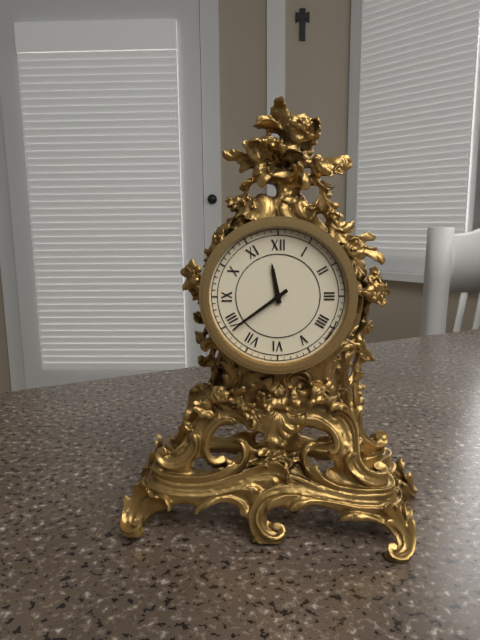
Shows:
{"hour": 11, "minute": 39}
